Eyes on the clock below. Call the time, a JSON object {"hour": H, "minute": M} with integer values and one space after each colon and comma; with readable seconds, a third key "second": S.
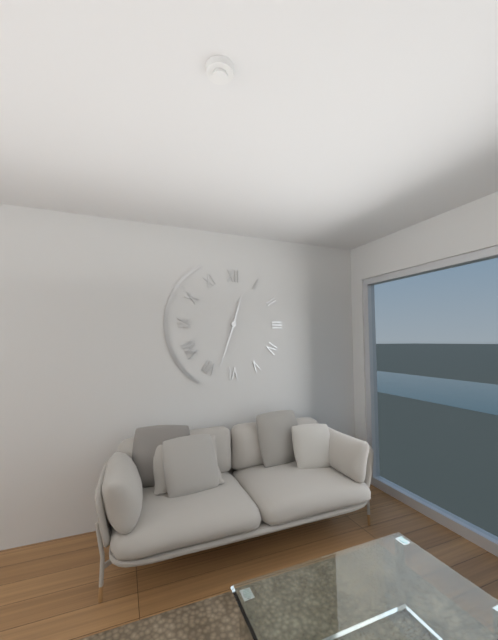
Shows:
{"hour": 12, "minute": 33}
